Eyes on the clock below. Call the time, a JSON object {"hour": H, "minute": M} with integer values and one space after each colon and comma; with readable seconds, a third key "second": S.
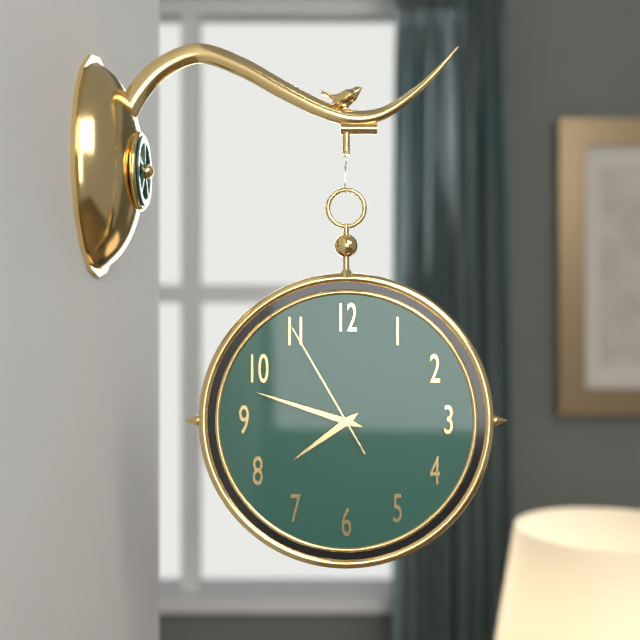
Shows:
{"hour": 7, "minute": 48, "second": 55}
